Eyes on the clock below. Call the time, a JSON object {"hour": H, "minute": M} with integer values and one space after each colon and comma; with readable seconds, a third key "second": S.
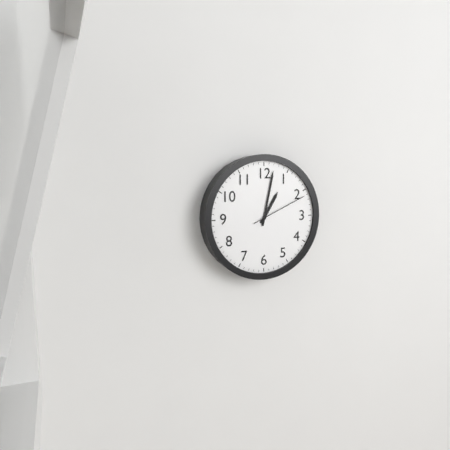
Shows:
{"hour": 1, "minute": 2, "second": 11}
